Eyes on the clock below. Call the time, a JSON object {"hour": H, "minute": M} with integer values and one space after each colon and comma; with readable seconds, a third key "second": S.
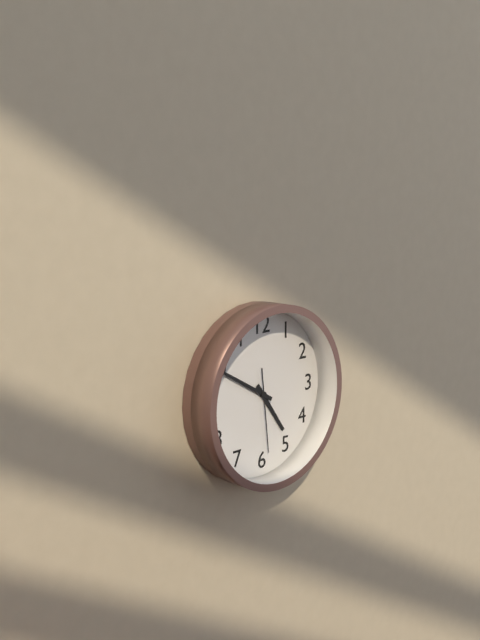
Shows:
{"hour": 4, "minute": 50, "second": 29}
